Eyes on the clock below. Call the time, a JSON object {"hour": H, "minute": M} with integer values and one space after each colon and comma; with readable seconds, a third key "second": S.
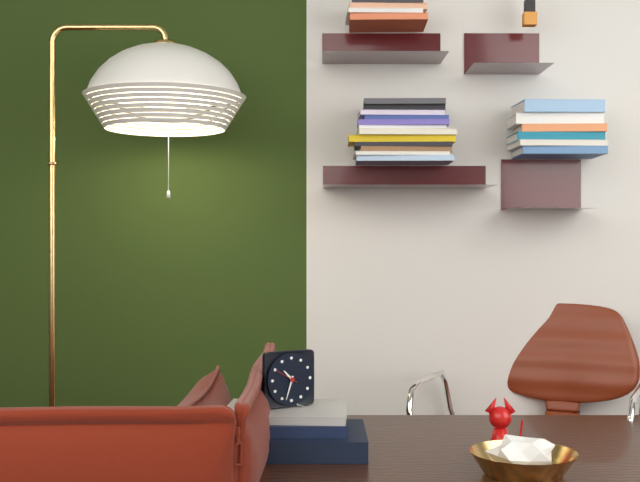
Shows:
{"hour": 10, "minute": 33}
